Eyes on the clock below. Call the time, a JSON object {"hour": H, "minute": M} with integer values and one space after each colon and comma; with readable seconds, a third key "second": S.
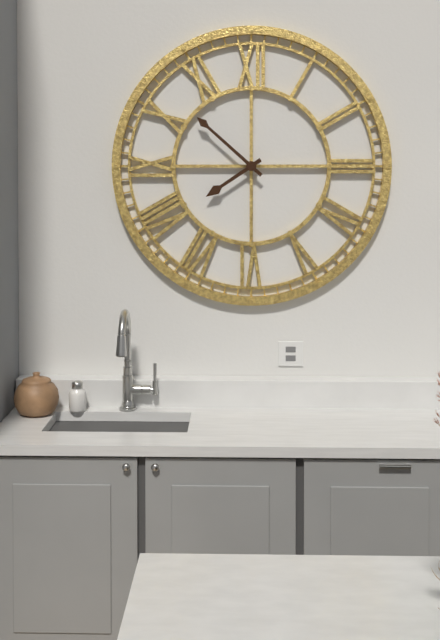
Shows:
{"hour": 7, "minute": 52}
